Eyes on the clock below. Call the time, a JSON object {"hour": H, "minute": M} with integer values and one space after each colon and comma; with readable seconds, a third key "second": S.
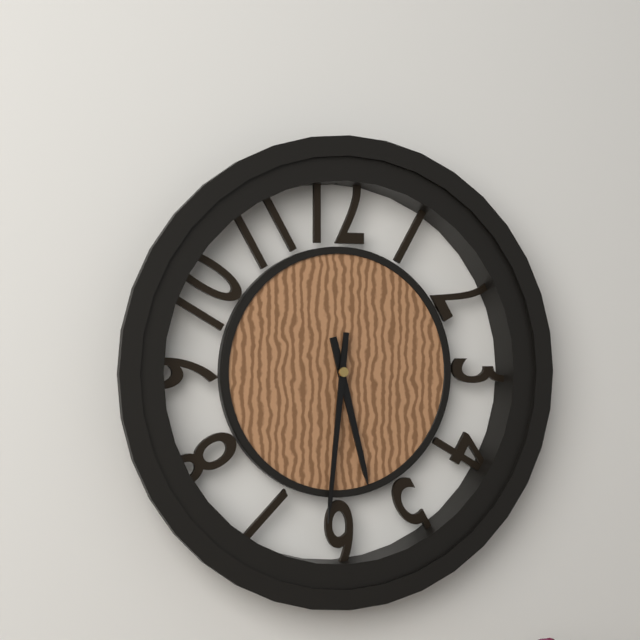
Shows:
{"hour": 5, "minute": 31}
